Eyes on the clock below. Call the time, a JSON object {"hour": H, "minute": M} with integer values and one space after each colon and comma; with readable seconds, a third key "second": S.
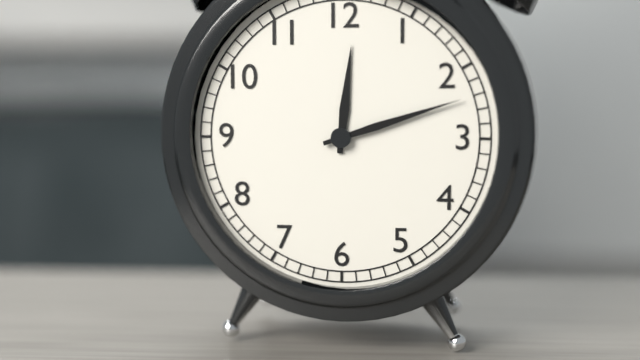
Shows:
{"hour": 12, "minute": 12}
